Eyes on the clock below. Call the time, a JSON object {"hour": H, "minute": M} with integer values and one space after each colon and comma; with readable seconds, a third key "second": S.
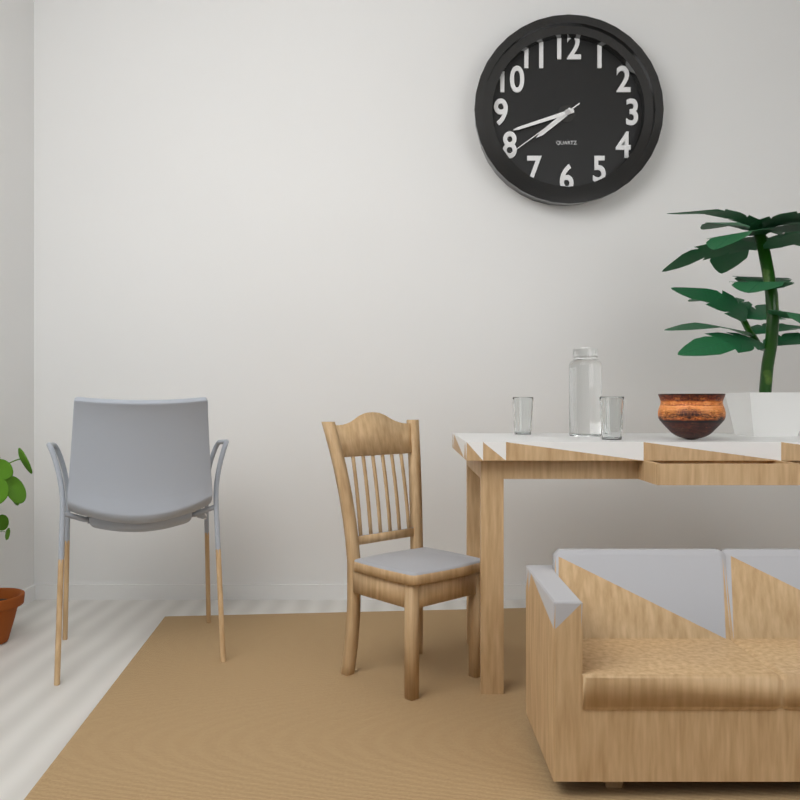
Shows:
{"hour": 7, "minute": 42, "second": 39}
